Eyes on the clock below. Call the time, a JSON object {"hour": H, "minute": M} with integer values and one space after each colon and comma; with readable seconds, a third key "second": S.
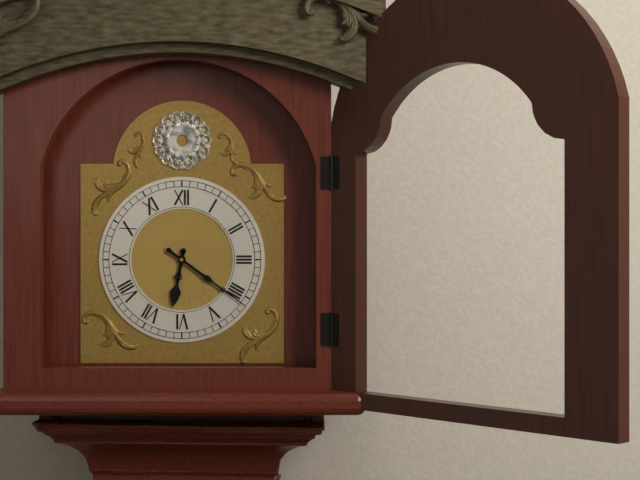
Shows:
{"hour": 6, "minute": 21}
